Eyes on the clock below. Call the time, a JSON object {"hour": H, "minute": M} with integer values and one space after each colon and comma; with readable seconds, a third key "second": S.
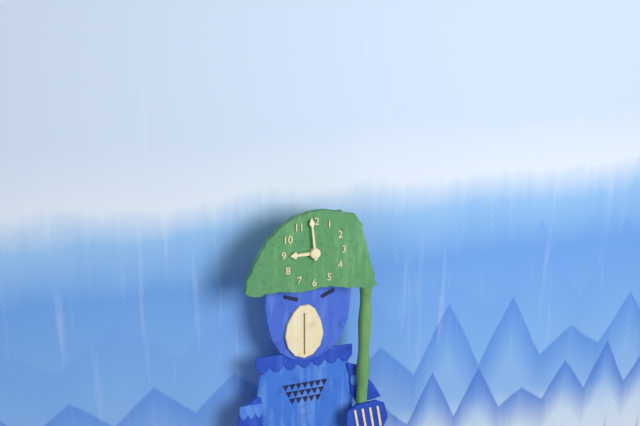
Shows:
{"hour": 8, "minute": 59}
